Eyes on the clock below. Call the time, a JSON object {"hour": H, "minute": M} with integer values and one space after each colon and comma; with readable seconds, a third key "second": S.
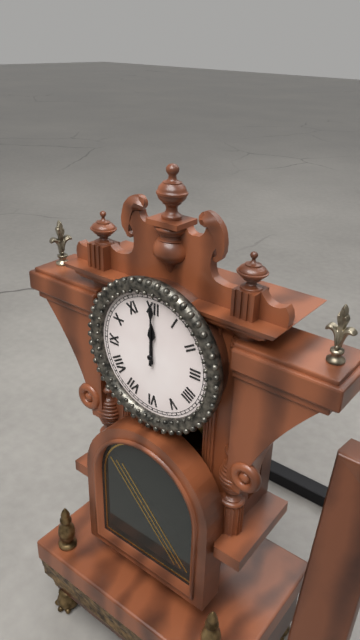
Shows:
{"hour": 12, "minute": 0}
